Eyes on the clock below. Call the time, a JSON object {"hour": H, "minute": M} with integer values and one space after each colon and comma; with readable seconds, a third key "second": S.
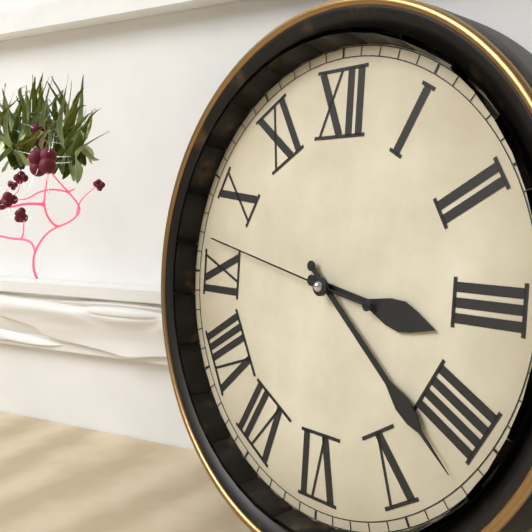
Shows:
{"hour": 3, "minute": 22, "second": 47}
